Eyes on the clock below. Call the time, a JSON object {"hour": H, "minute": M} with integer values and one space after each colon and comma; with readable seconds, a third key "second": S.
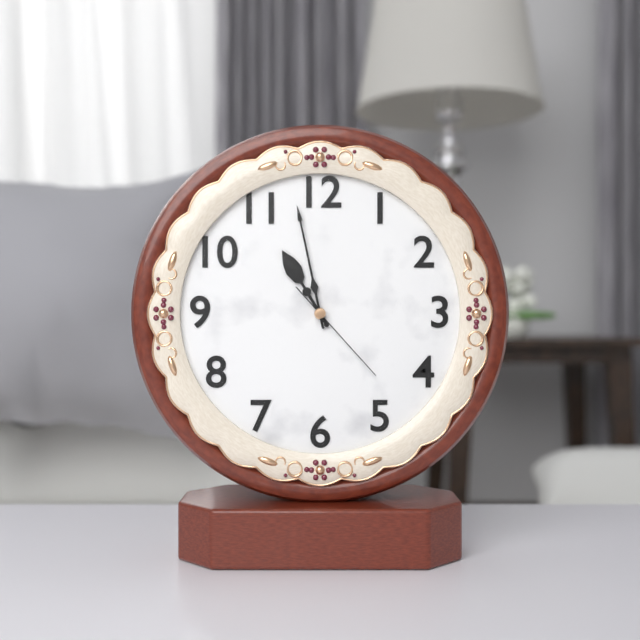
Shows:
{"hour": 10, "minute": 58, "second": 23}
